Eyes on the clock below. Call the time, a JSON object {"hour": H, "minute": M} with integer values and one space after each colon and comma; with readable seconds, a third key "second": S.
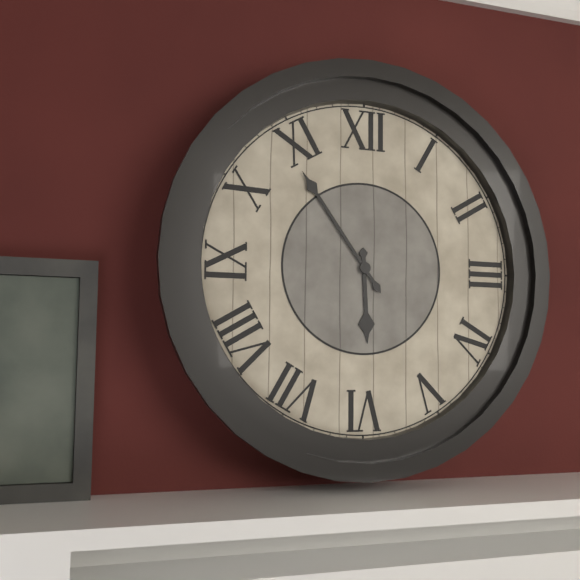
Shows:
{"hour": 5, "minute": 54}
